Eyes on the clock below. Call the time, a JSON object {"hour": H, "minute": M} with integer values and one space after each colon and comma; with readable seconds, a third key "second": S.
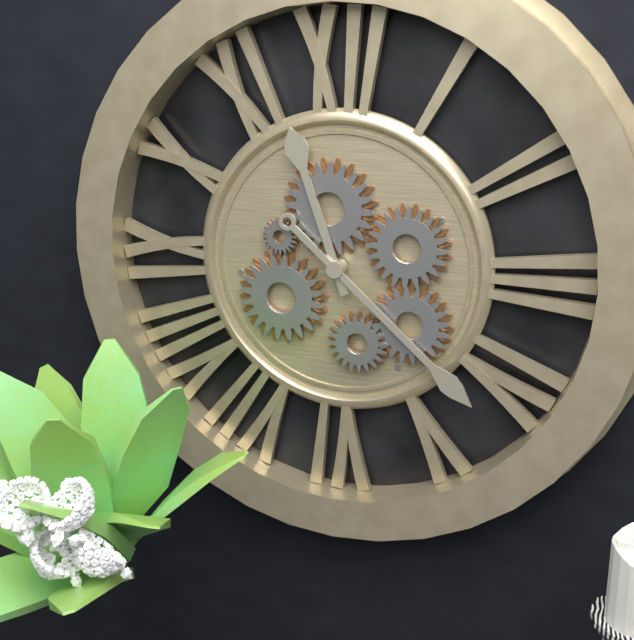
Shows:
{"hour": 11, "minute": 22}
